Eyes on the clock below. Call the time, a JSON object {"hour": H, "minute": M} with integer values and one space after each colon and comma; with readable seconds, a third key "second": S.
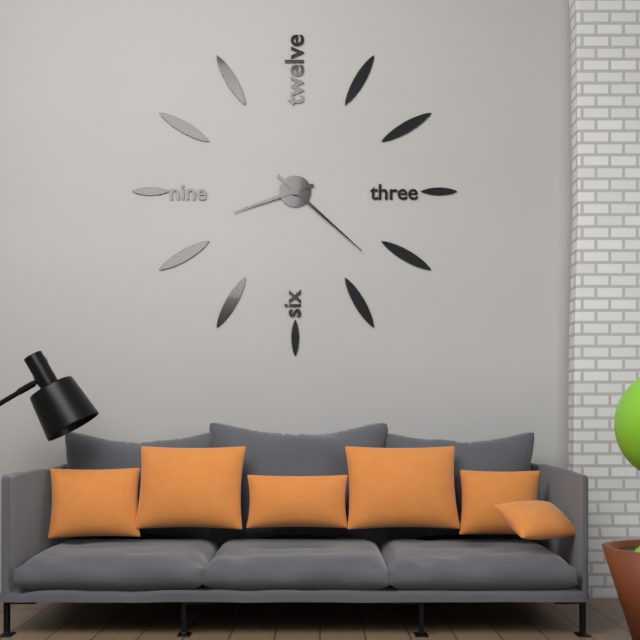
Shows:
{"hour": 8, "minute": 22}
